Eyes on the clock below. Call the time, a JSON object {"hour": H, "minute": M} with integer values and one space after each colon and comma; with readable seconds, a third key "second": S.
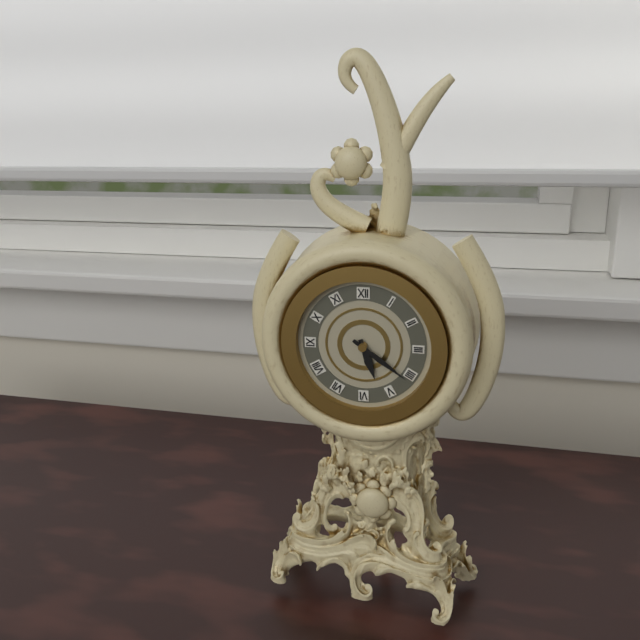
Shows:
{"hour": 5, "minute": 21}
